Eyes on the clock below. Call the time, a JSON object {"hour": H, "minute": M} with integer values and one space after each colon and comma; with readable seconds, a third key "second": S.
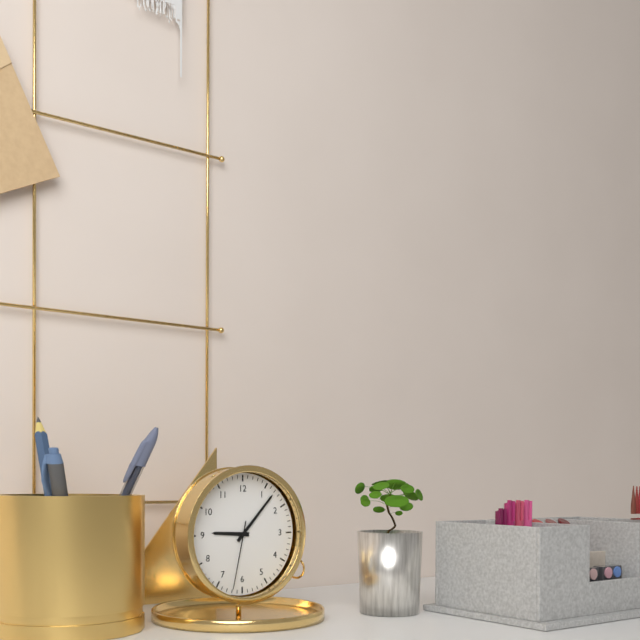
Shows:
{"hour": 9, "minute": 7, "second": 32}
